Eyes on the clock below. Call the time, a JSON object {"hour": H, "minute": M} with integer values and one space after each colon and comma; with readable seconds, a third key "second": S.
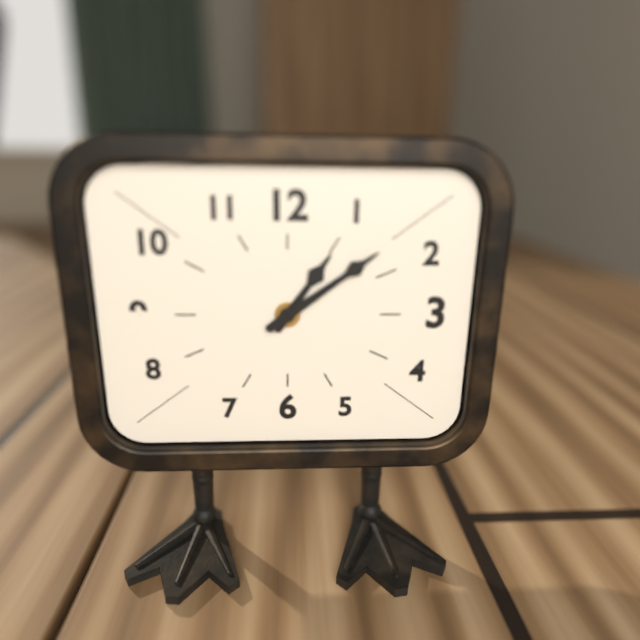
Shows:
{"hour": 1, "minute": 9}
